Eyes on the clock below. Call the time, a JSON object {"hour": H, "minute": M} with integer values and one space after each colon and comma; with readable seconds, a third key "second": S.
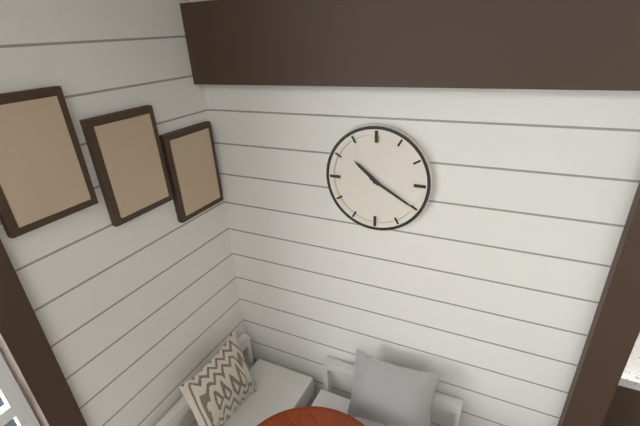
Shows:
{"hour": 10, "minute": 20}
